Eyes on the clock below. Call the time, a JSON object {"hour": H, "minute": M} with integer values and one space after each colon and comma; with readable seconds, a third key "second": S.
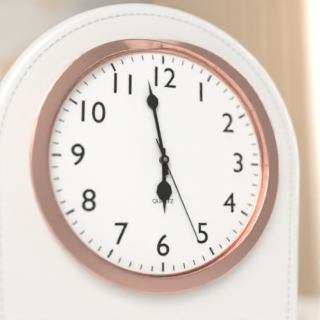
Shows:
{"hour": 5, "minute": 58, "second": 26}
